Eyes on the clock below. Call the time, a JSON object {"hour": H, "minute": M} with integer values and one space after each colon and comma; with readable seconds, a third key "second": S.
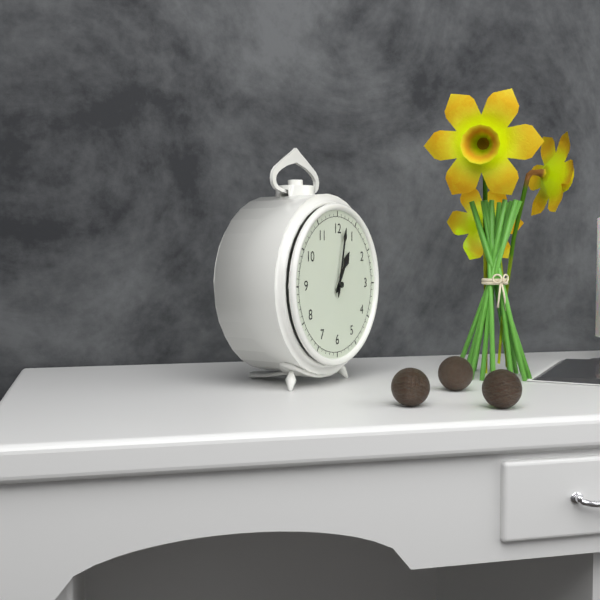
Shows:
{"hour": 1, "minute": 2}
